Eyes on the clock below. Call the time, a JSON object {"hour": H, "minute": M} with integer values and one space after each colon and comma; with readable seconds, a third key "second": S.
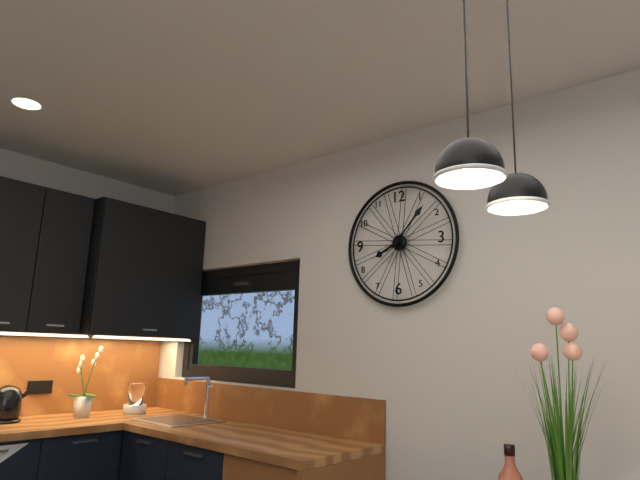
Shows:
{"hour": 8, "minute": 7}
